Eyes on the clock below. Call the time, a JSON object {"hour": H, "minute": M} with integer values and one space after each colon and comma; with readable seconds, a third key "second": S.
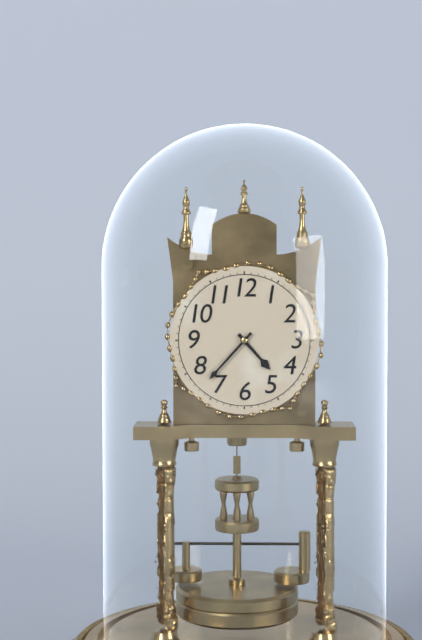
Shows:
{"hour": 4, "minute": 37}
